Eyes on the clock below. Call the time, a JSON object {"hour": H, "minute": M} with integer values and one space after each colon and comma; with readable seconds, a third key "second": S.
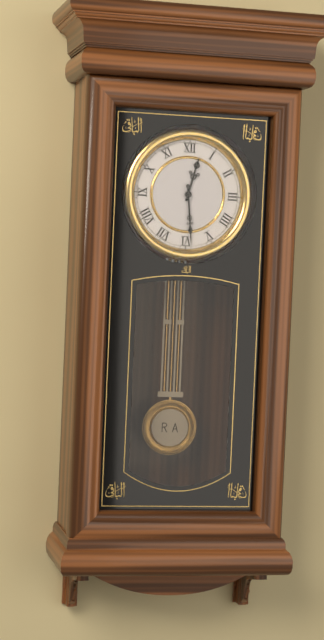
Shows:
{"hour": 12, "minute": 29}
